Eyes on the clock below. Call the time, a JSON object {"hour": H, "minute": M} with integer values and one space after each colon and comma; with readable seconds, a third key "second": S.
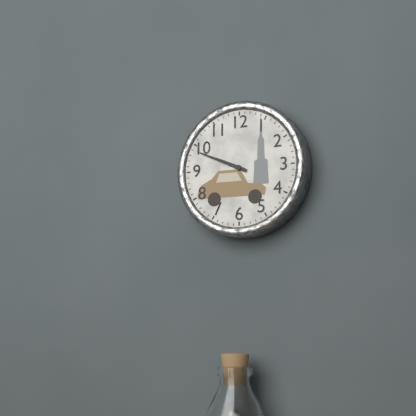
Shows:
{"hour": 9, "minute": 49}
